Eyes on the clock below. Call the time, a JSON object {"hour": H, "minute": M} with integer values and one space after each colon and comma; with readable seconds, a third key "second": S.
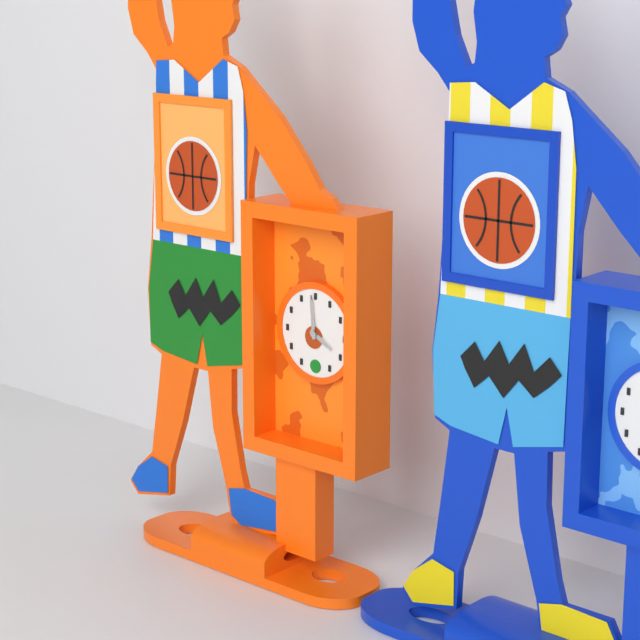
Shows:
{"hour": 3, "minute": 59}
